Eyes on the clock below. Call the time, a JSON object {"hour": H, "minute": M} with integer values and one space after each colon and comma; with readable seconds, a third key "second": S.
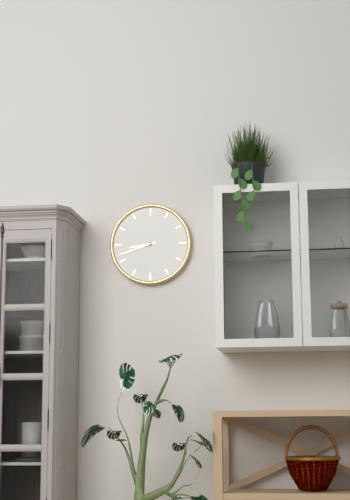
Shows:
{"hour": 8, "minute": 42}
